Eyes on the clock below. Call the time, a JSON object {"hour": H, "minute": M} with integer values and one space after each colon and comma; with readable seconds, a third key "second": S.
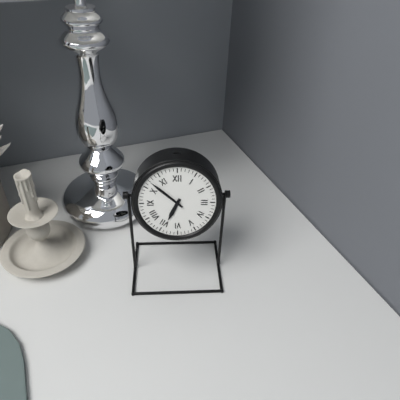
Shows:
{"hour": 6, "minute": 52}
